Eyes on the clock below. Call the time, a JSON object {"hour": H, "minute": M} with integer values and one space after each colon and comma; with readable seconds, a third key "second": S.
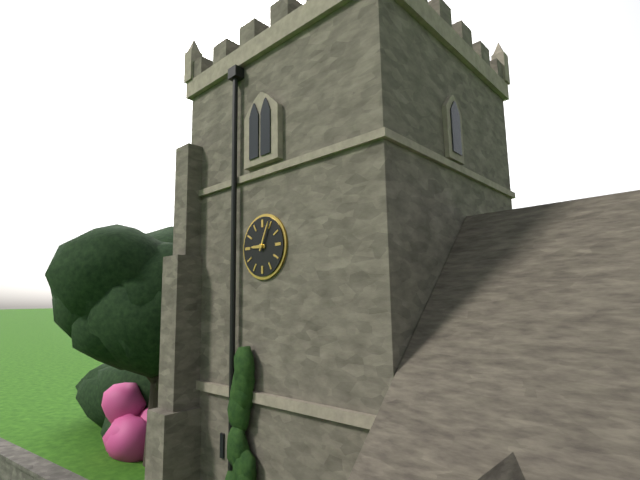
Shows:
{"hour": 9, "minute": 4}
